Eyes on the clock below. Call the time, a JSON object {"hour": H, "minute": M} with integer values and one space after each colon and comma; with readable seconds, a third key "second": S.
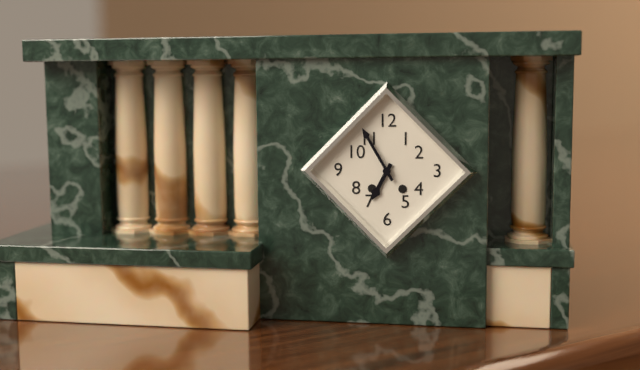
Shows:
{"hour": 6, "minute": 55}
